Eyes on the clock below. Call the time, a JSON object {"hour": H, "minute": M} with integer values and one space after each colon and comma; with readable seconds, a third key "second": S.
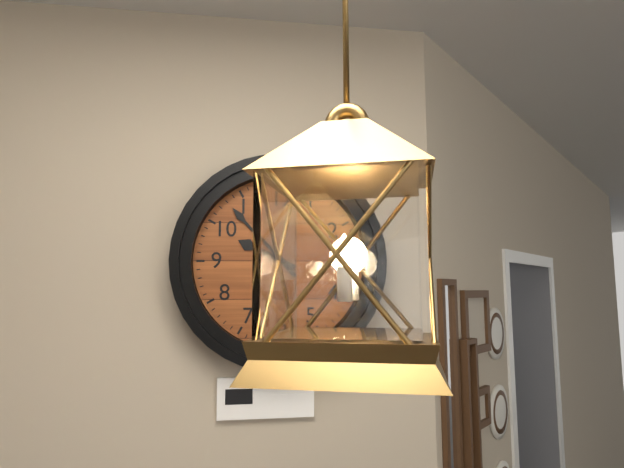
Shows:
{"hour": 9, "minute": 53}
